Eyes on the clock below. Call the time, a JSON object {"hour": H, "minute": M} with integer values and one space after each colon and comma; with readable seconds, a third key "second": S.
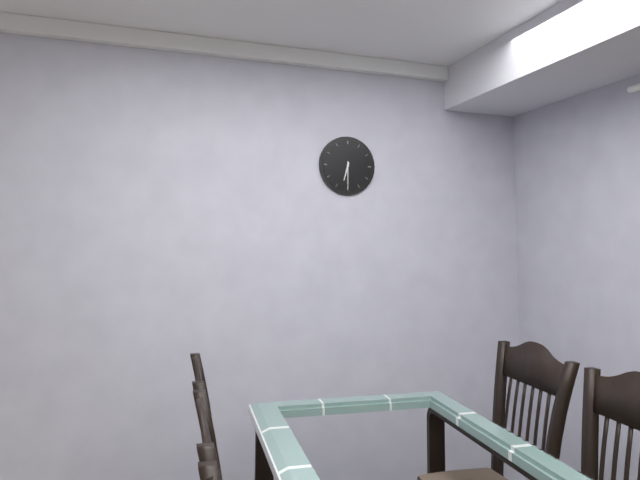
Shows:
{"hour": 6, "minute": 30}
